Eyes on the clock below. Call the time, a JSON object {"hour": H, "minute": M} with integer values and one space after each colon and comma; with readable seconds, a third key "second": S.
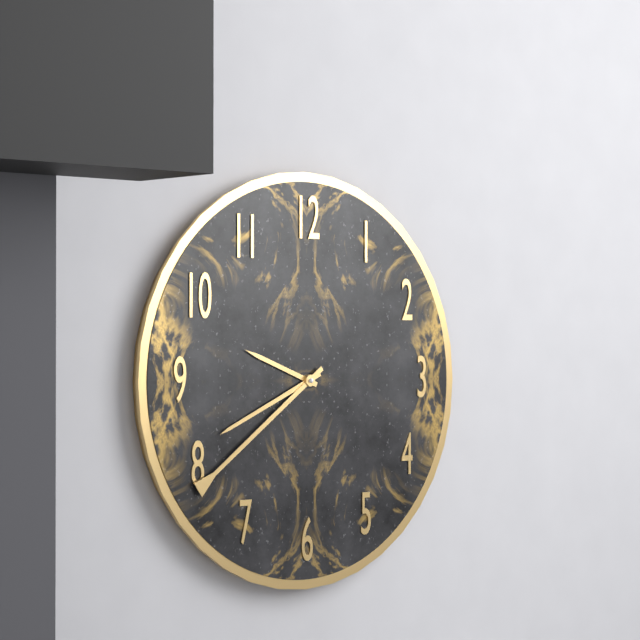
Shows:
{"hour": 9, "minute": 41, "second": 39}
